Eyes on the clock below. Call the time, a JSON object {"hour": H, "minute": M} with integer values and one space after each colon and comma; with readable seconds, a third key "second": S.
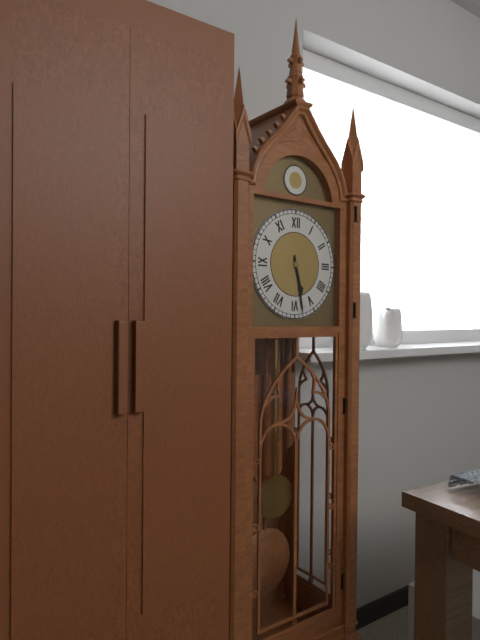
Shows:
{"hour": 5, "minute": 28}
